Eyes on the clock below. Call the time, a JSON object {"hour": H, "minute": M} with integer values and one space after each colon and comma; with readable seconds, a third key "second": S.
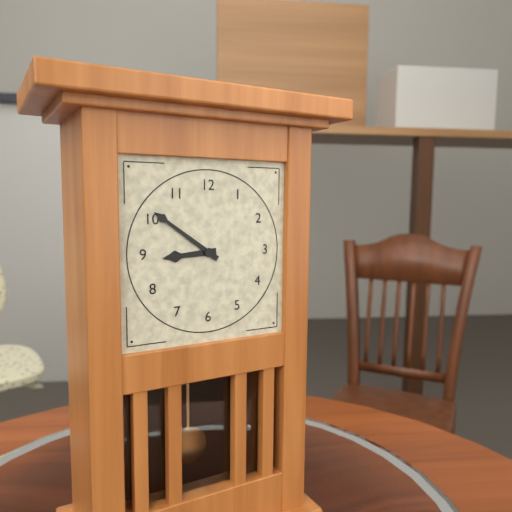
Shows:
{"hour": 8, "minute": 51}
